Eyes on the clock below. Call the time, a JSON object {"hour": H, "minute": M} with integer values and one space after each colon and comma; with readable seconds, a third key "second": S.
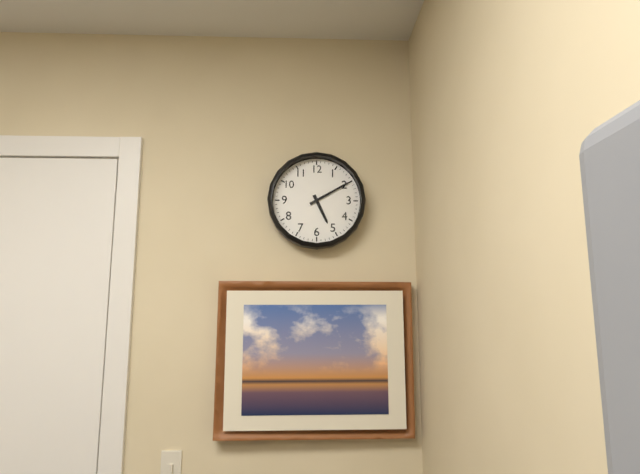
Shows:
{"hour": 5, "minute": 10}
